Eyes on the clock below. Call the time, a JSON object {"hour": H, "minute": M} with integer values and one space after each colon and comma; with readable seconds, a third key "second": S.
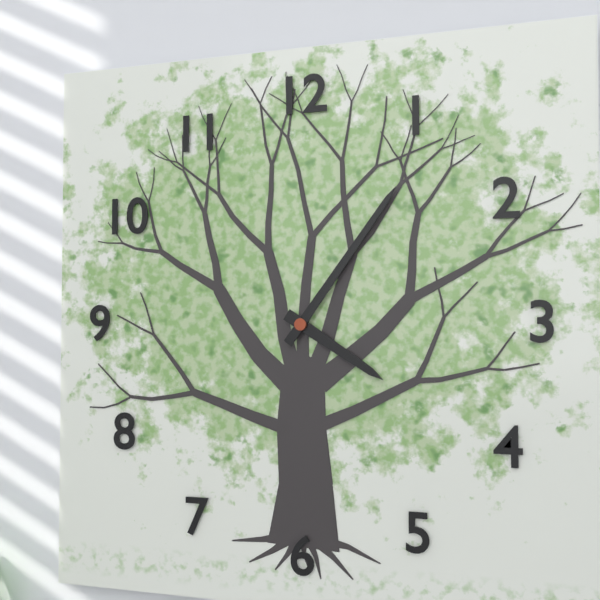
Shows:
{"hour": 4, "minute": 6}
